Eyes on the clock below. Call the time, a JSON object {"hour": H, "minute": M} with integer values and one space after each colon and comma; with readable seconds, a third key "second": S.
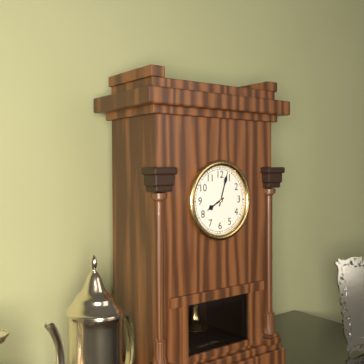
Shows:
{"hour": 8, "minute": 3}
